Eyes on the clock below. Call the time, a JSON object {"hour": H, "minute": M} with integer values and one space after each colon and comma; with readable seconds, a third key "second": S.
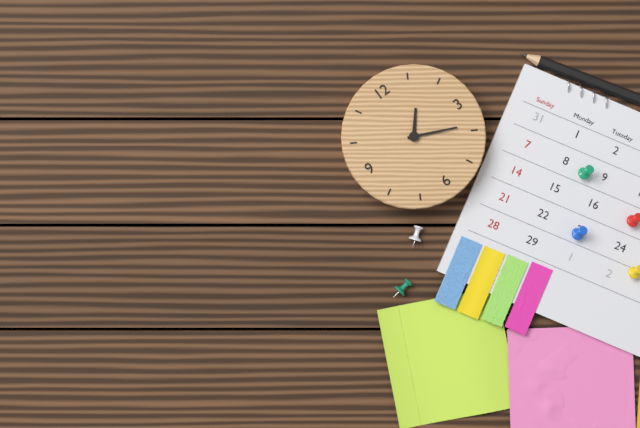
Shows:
{"hour": 1, "minute": 19}
